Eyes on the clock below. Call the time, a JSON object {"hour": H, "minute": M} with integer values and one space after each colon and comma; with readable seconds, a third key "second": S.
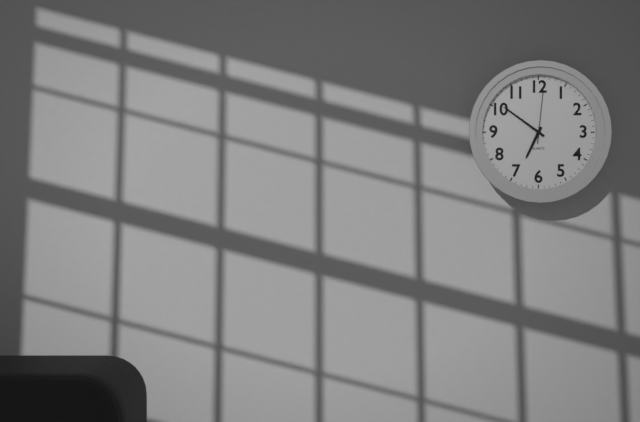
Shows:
{"hour": 6, "minute": 51, "second": 1}
